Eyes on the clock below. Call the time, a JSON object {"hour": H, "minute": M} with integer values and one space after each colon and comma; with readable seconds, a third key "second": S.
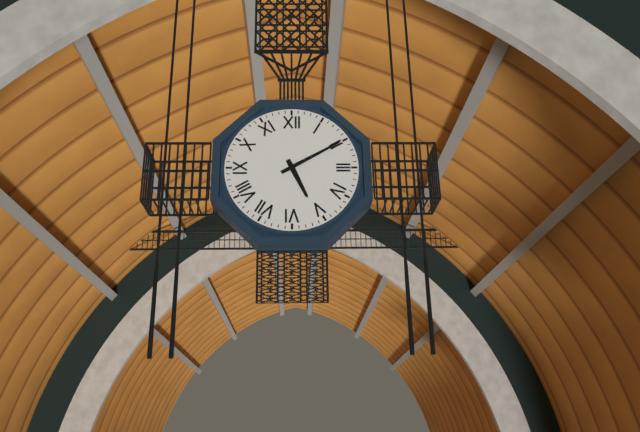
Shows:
{"hour": 5, "minute": 10}
